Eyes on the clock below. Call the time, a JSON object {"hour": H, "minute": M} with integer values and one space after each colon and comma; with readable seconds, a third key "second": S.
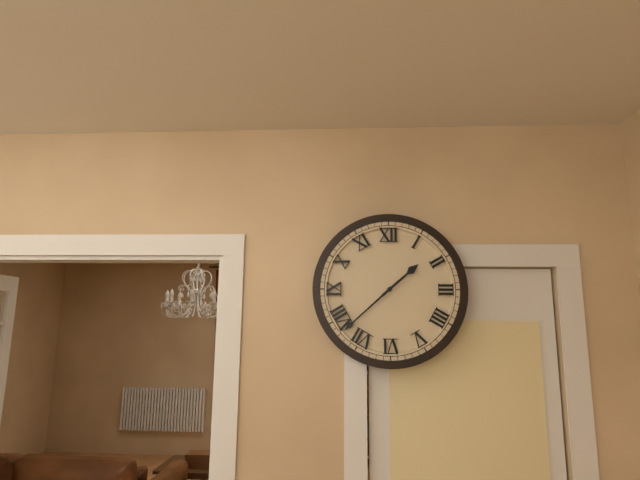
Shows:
{"hour": 1, "minute": 38}
